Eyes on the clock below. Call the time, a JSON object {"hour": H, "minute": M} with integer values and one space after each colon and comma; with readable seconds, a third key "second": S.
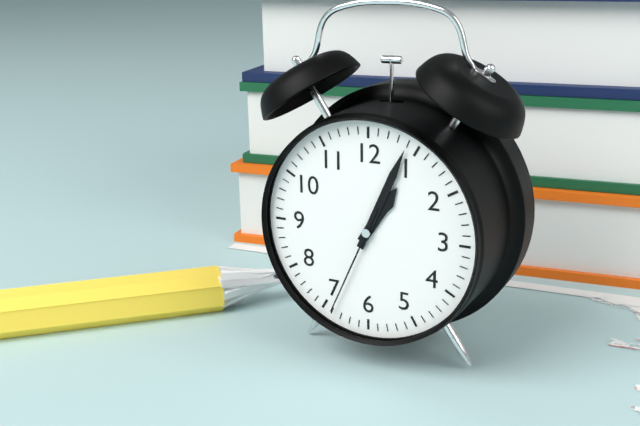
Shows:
{"hour": 1, "minute": 4, "second": 34}
